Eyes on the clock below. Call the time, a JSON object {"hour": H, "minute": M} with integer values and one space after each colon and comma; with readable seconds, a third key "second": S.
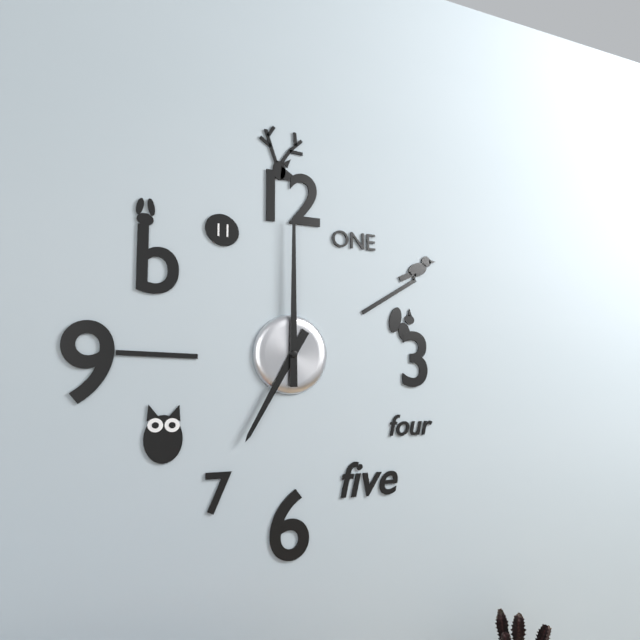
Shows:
{"hour": 7, "minute": 0}
